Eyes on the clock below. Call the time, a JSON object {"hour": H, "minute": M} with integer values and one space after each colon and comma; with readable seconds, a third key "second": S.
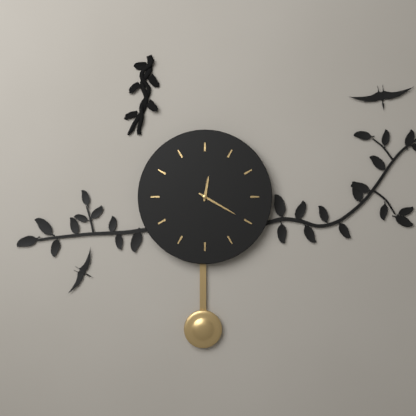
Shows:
{"hour": 12, "minute": 20}
